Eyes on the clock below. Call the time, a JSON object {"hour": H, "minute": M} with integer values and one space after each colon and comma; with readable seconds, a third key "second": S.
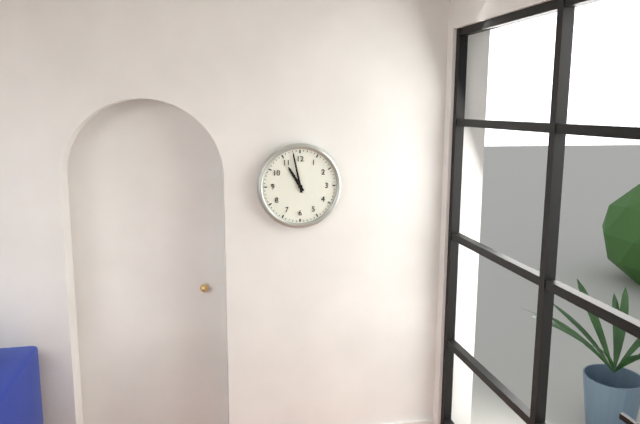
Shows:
{"hour": 10, "minute": 58}
